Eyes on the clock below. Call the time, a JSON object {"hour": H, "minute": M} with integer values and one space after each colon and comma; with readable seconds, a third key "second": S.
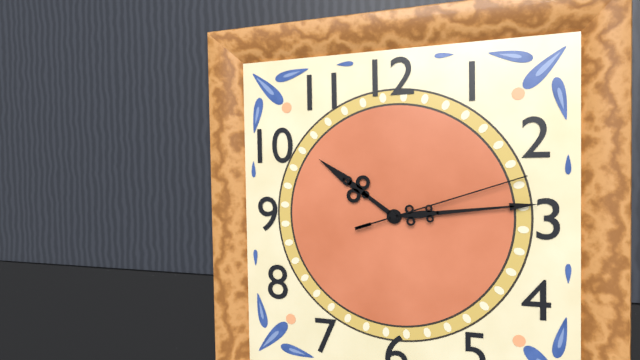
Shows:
{"hour": 10, "minute": 14, "second": 12}
